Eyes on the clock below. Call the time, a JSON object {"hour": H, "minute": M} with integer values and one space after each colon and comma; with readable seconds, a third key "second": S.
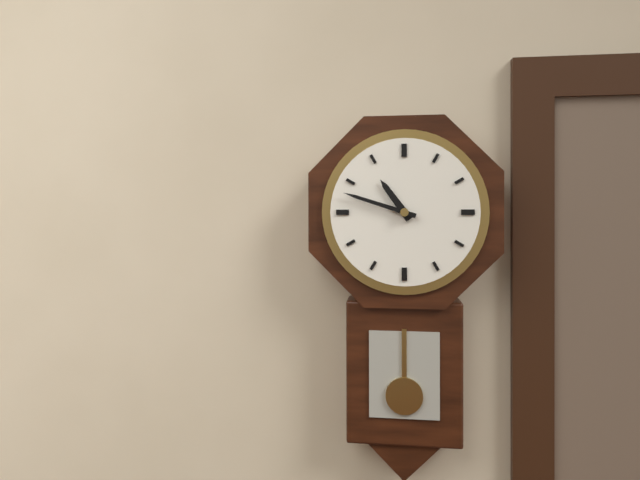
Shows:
{"hour": 10, "minute": 48}
